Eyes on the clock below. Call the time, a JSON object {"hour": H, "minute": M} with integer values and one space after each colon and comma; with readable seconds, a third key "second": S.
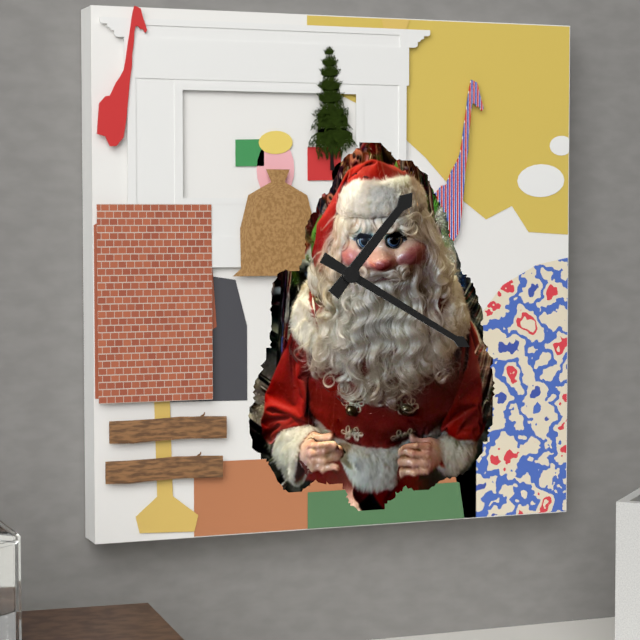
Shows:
{"hour": 1, "minute": 20}
